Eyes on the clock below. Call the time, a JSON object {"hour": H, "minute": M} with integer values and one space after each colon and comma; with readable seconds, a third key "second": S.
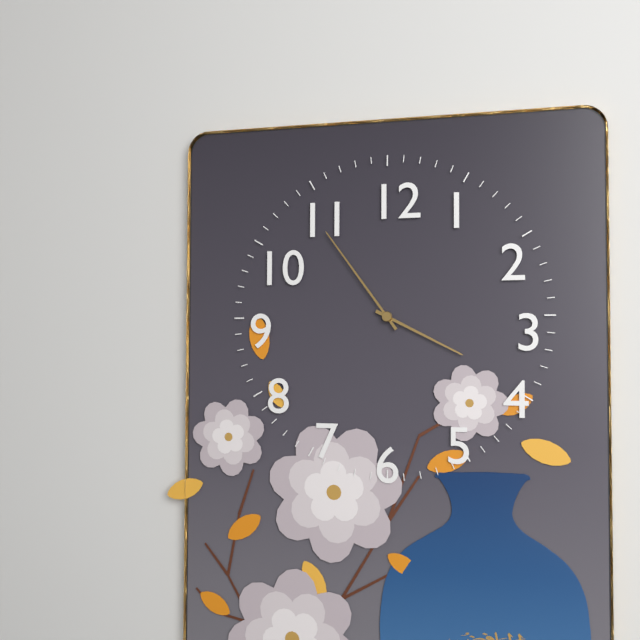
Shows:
{"hour": 3, "minute": 54}
